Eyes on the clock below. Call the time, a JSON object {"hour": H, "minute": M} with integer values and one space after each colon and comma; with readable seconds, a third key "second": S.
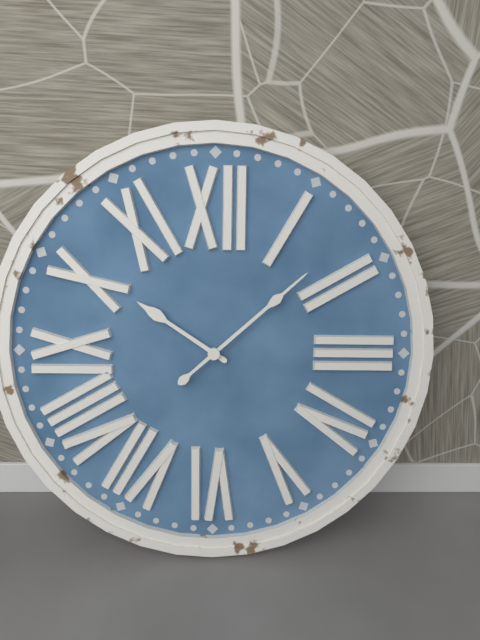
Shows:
{"hour": 10, "minute": 8}
